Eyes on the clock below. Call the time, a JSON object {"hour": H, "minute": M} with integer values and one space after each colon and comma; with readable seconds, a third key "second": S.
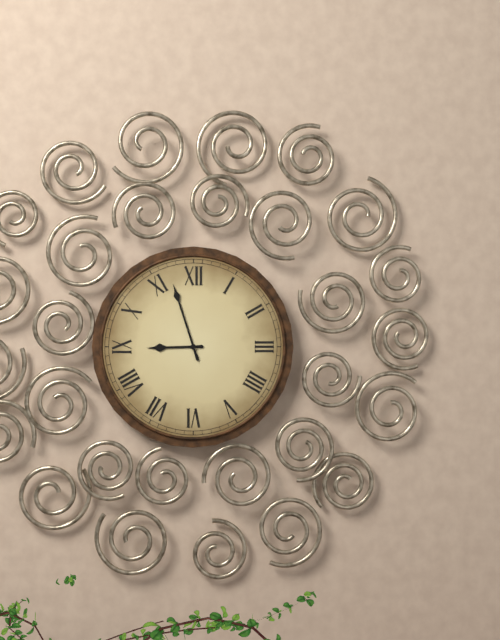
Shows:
{"hour": 8, "minute": 57}
